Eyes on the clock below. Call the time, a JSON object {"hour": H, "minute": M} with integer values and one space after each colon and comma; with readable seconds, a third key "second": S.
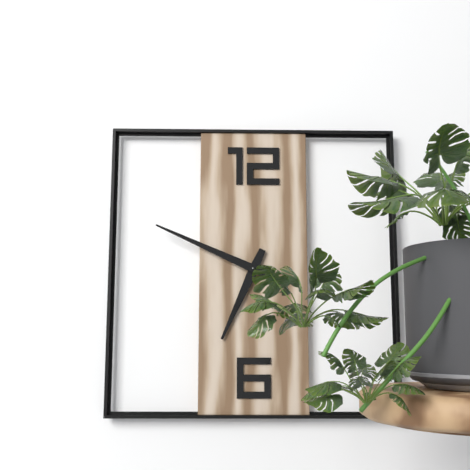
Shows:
{"hour": 6, "minute": 49}
